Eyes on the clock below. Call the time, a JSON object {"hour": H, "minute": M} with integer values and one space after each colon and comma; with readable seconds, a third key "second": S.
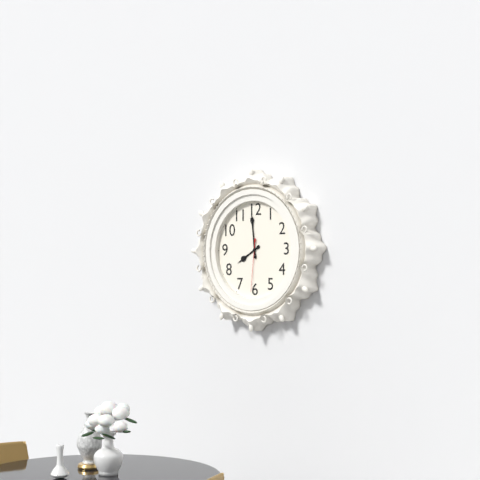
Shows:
{"hour": 7, "minute": 59, "second": 31}
